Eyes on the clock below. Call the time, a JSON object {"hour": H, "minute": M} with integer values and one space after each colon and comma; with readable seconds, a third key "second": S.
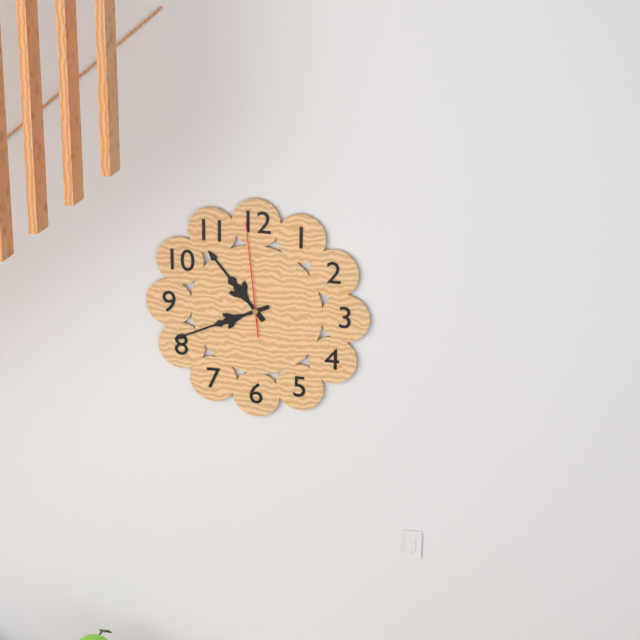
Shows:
{"hour": 10, "minute": 41, "second": 59}
